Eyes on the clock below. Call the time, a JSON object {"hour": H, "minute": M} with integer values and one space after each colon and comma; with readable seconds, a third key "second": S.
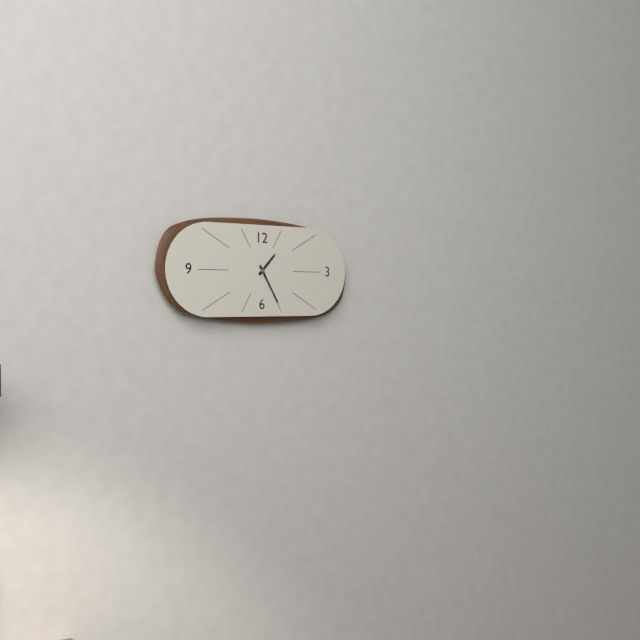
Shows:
{"hour": 1, "minute": 25}
